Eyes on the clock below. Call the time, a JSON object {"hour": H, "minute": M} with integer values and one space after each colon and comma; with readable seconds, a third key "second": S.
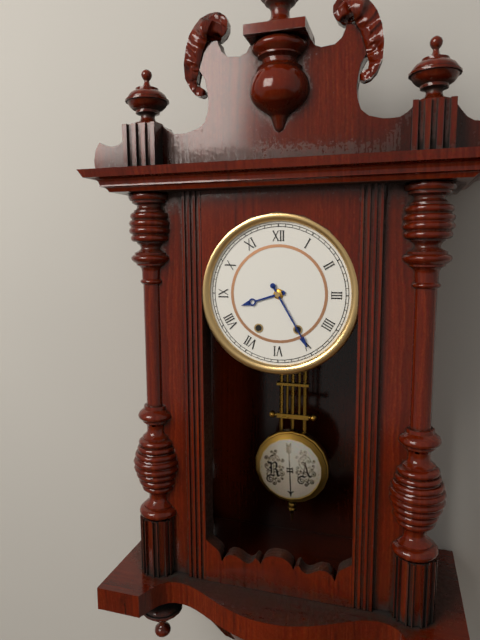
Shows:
{"hour": 8, "minute": 25}
